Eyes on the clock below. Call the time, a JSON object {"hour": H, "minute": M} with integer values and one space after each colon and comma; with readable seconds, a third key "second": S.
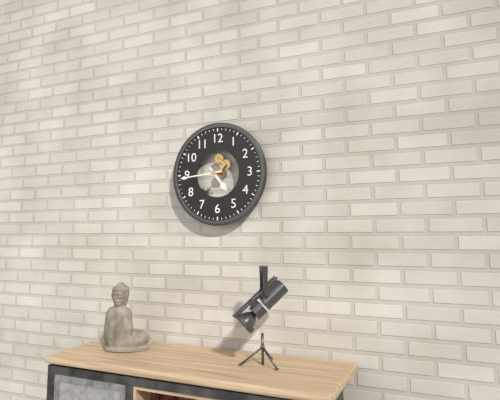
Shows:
{"hour": 4, "minute": 44}
